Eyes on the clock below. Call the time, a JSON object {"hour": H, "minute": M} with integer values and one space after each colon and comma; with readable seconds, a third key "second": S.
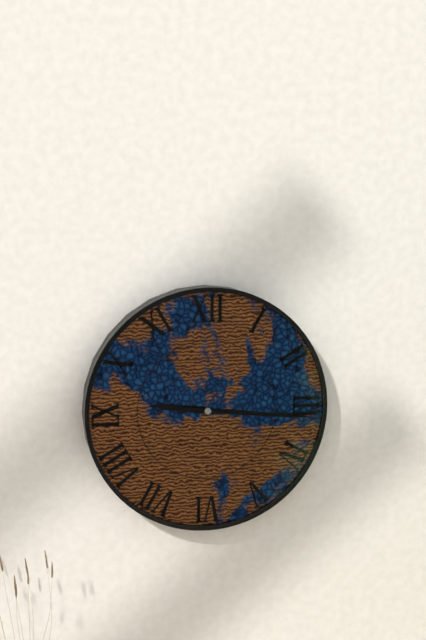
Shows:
{"hour": 9, "minute": 16}
